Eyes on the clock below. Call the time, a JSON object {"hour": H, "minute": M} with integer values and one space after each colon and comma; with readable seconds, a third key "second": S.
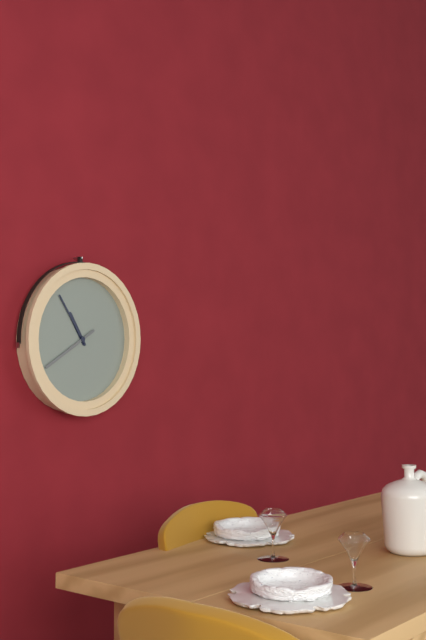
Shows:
{"hour": 10, "minute": 54, "second": 40}
